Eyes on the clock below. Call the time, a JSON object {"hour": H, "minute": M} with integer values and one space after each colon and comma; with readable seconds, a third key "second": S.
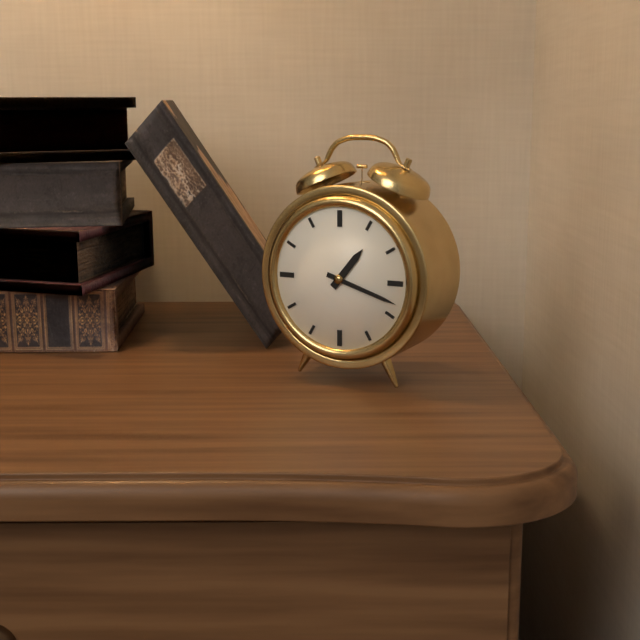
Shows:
{"hour": 1, "minute": 18}
